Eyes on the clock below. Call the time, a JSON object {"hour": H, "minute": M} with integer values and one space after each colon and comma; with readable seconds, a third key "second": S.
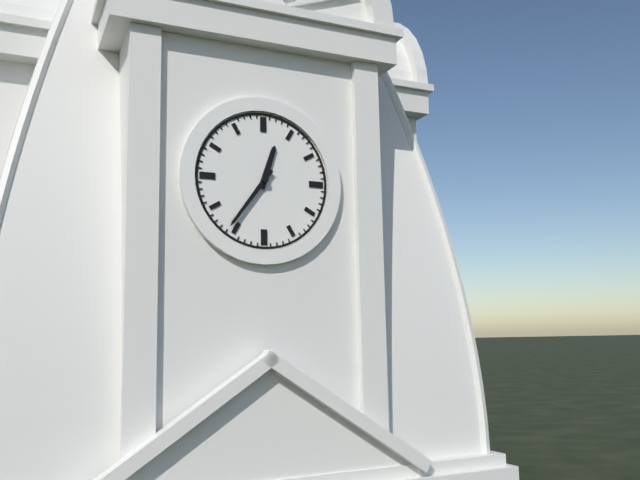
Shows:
{"hour": 12, "minute": 36}
